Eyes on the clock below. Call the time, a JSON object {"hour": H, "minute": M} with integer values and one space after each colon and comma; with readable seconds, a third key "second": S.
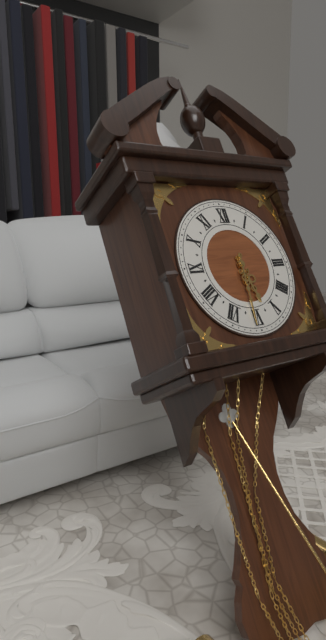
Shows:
{"hour": 5, "minute": 31}
